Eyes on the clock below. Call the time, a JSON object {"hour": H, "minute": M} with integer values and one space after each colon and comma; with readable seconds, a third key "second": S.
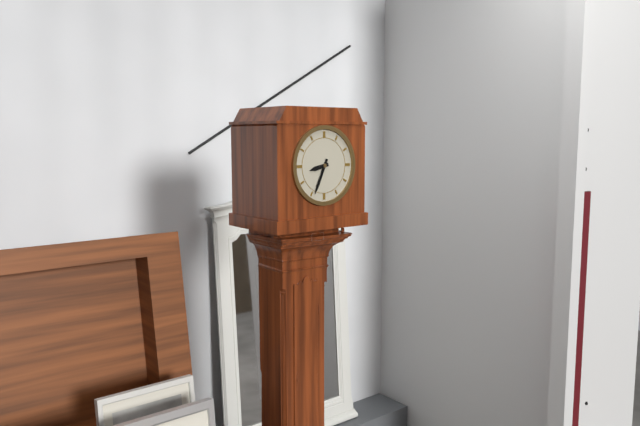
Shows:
{"hour": 8, "minute": 34}
